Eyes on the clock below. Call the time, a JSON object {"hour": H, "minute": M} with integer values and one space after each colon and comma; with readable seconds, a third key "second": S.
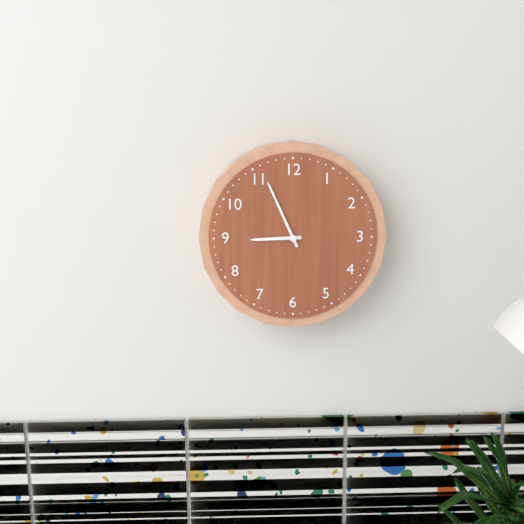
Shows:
{"hour": 8, "minute": 56}
